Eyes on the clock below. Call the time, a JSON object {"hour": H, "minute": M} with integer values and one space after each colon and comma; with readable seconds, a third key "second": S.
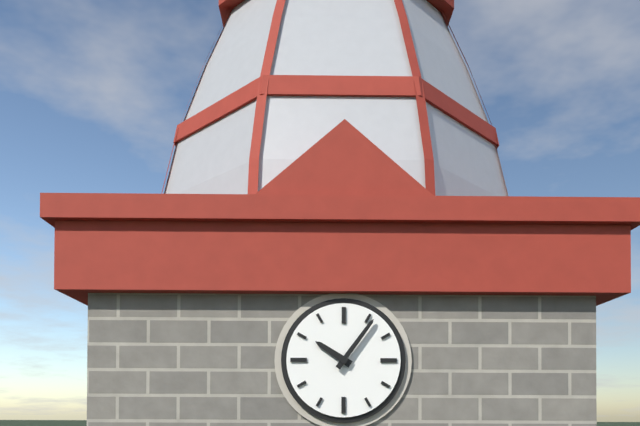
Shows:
{"hour": 10, "minute": 6}
